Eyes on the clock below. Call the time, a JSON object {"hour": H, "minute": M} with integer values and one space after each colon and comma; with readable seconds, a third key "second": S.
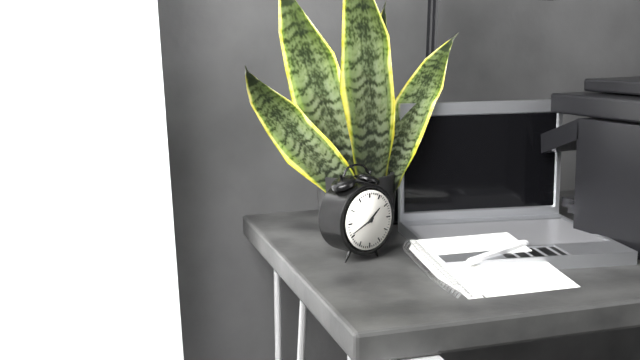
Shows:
{"hour": 1, "minute": 41}
